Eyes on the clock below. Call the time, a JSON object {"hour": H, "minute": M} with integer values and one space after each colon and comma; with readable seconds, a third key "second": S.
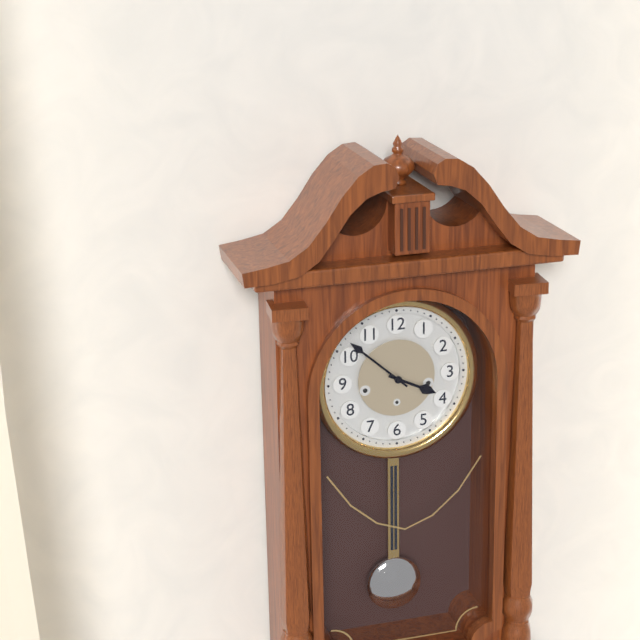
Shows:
{"hour": 3, "minute": 52}
